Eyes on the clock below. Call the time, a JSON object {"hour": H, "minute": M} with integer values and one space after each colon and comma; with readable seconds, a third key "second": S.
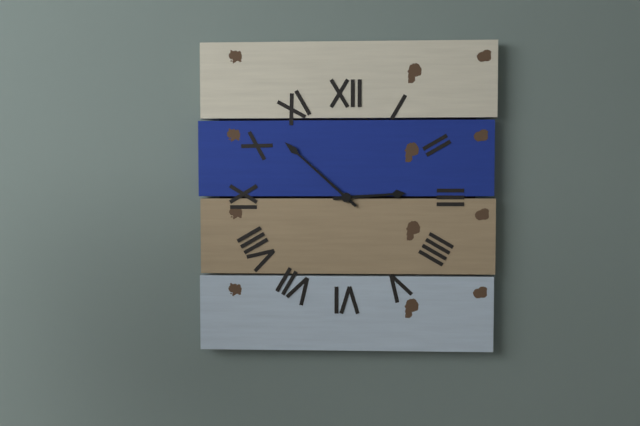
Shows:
{"hour": 2, "minute": 52}
